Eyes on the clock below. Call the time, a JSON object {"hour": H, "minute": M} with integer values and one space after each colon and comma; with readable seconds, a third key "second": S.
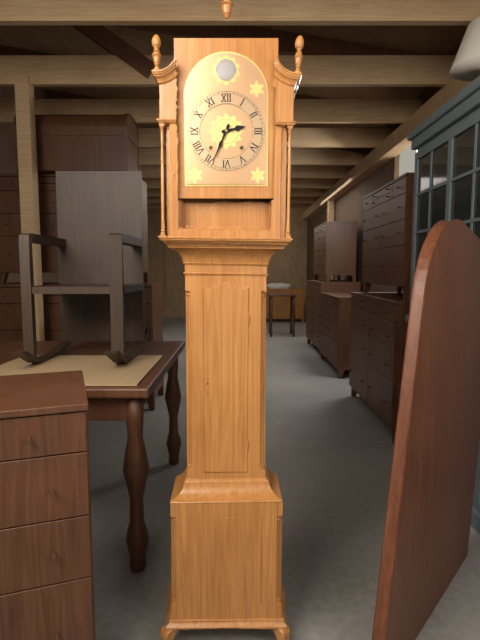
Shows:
{"hour": 2, "minute": 34}
